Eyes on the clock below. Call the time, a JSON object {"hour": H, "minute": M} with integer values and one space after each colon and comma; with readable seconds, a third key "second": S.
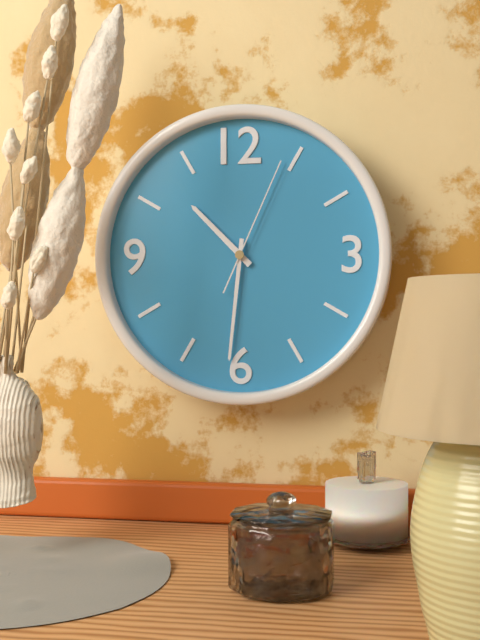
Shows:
{"hour": 10, "minute": 31, "second": 4}
